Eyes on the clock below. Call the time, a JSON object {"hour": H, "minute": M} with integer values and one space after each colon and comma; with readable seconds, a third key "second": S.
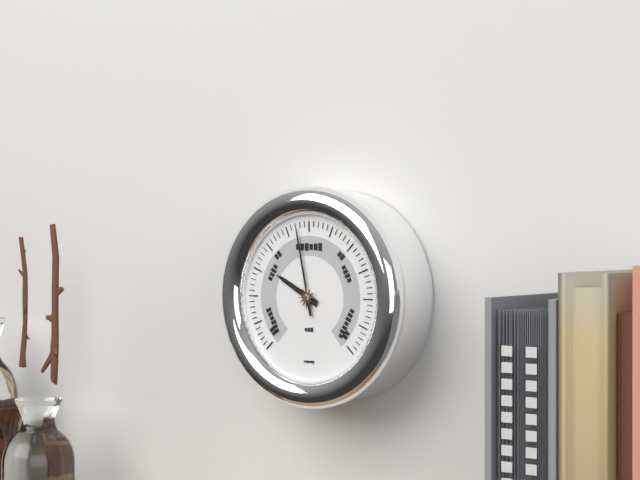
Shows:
{"hour": 9, "minute": 58}
